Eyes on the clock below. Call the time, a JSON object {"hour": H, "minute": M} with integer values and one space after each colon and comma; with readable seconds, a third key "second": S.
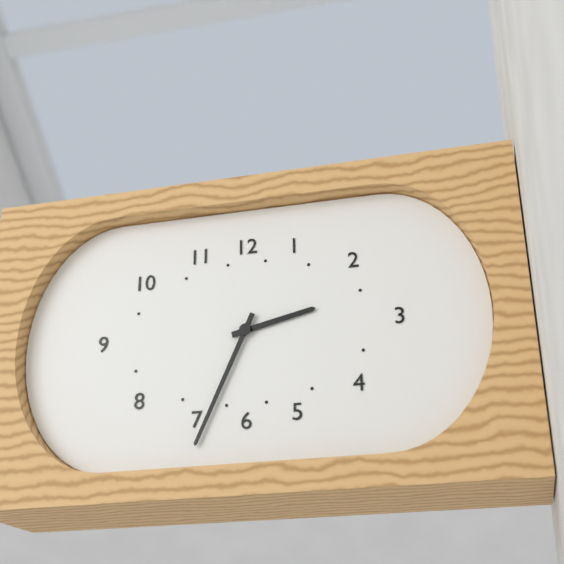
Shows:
{"hour": 2, "minute": 34}
